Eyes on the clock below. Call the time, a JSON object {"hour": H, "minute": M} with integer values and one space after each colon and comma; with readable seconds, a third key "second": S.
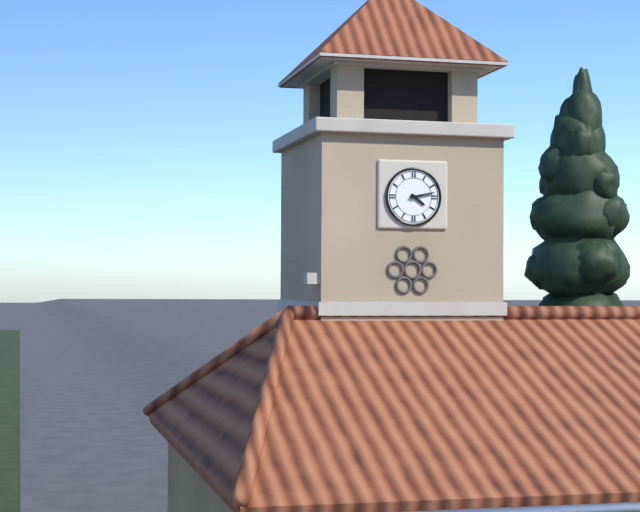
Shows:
{"hour": 4, "minute": 13}
